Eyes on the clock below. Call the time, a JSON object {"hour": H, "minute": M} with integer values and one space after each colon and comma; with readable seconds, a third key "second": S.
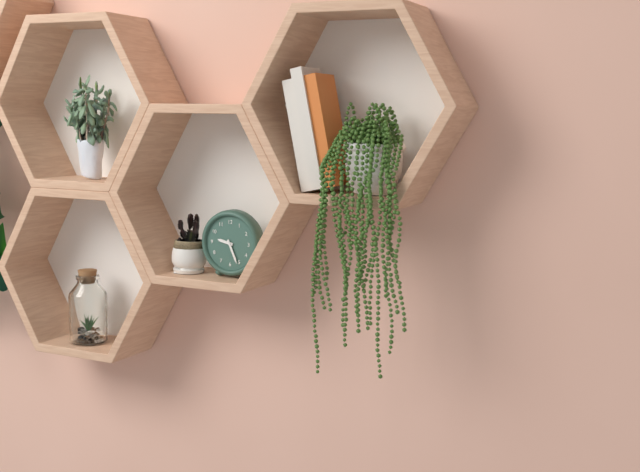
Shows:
{"hour": 9, "minute": 26}
